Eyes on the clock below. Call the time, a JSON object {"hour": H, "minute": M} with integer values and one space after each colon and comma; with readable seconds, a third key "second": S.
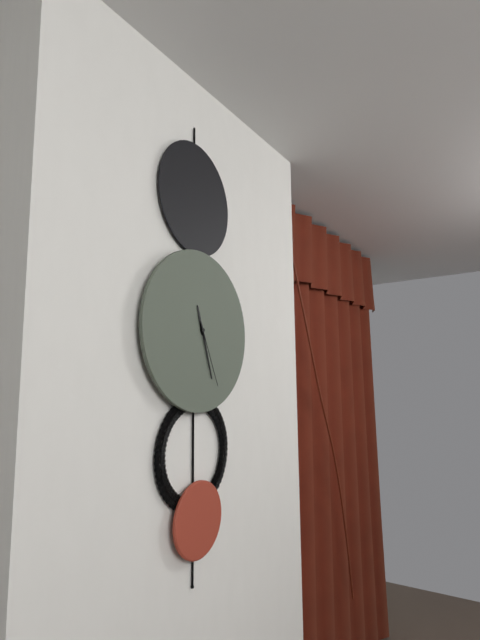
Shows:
{"hour": 11, "minute": 27, "second": 26}
